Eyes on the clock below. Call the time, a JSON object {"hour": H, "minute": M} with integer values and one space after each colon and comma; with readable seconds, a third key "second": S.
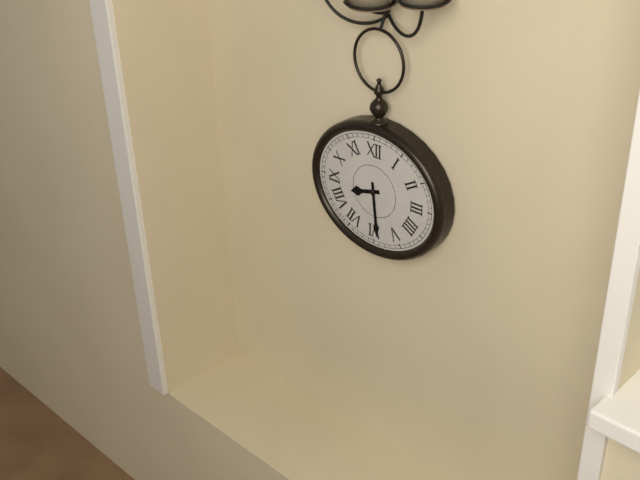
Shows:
{"hour": 8, "minute": 29}
